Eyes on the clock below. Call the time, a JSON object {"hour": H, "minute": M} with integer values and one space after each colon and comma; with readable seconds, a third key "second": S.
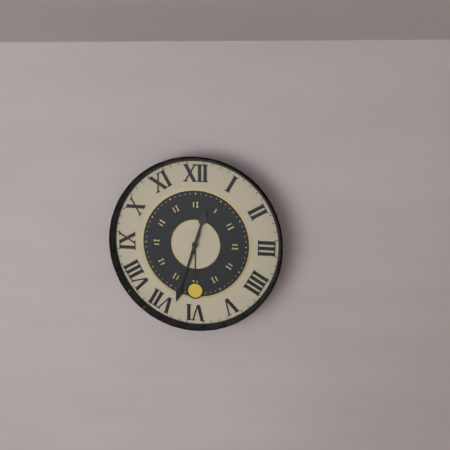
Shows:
{"hour": 12, "minute": 33}
